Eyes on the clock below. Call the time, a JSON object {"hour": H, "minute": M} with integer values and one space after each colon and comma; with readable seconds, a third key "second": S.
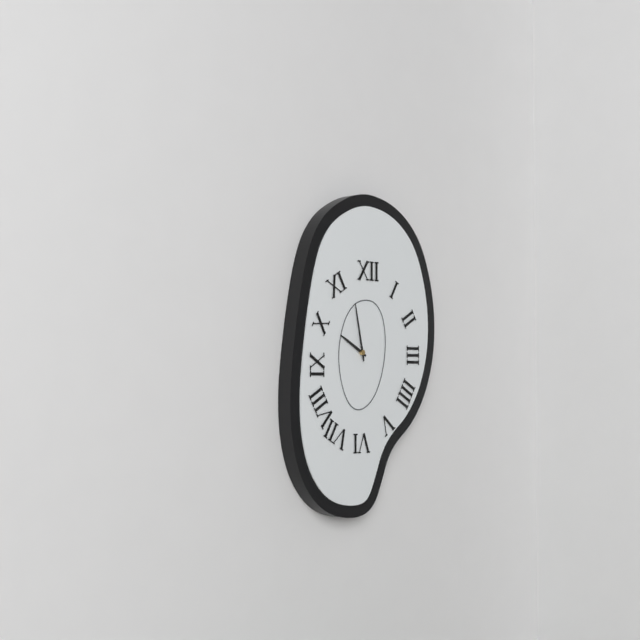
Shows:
{"hour": 9, "minute": 58}
